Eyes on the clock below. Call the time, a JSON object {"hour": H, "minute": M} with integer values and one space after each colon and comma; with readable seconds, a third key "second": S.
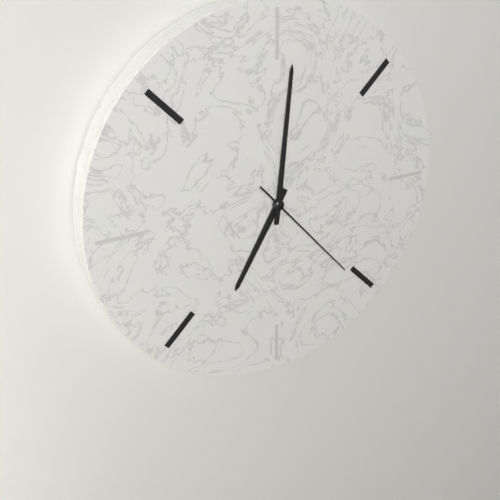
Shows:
{"hour": 7, "minute": 1, "second": 23}
